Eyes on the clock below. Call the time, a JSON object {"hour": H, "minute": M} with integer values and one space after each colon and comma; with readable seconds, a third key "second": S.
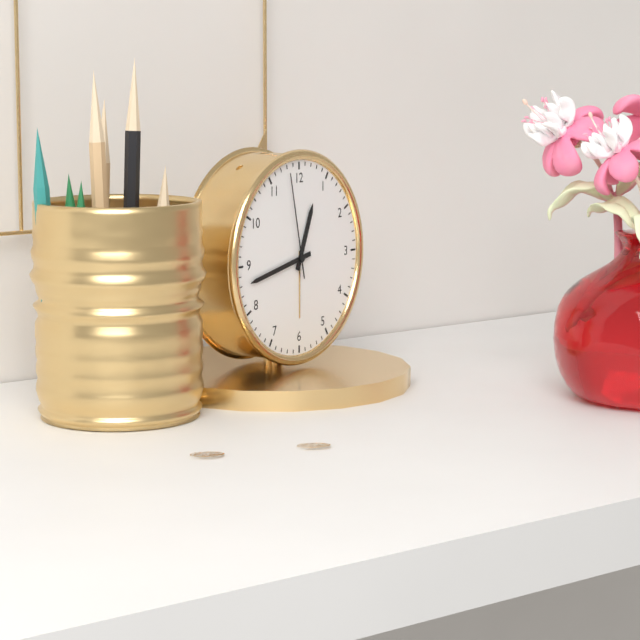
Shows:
{"hour": 12, "minute": 43, "second": 58}
